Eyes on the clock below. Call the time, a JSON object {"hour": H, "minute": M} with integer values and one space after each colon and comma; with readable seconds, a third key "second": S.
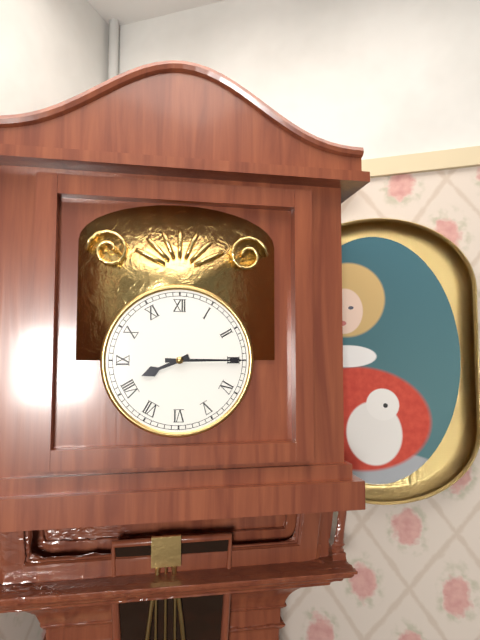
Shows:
{"hour": 8, "minute": 15}
